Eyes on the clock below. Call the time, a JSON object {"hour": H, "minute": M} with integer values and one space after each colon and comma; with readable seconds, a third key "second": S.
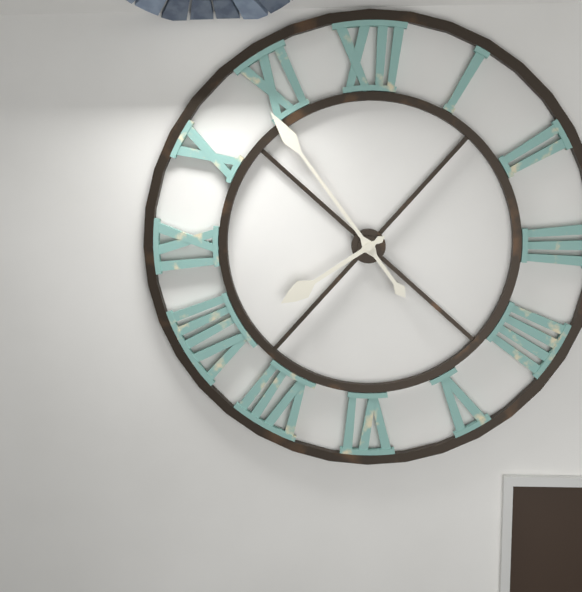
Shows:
{"hour": 7, "minute": 54}
